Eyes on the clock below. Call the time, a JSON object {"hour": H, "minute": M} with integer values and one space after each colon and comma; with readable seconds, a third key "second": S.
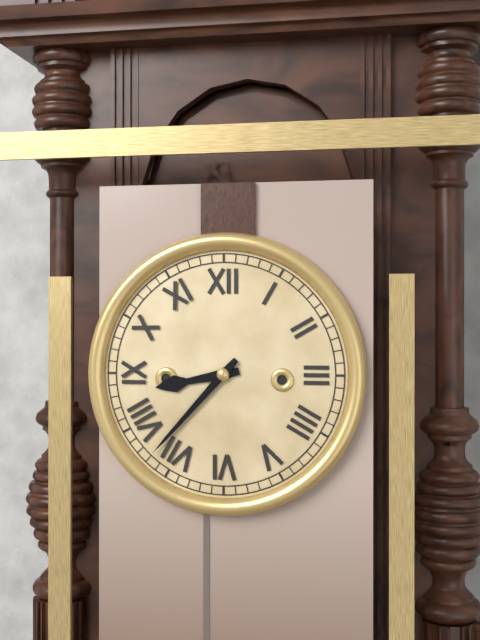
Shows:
{"hour": 8, "minute": 37}
